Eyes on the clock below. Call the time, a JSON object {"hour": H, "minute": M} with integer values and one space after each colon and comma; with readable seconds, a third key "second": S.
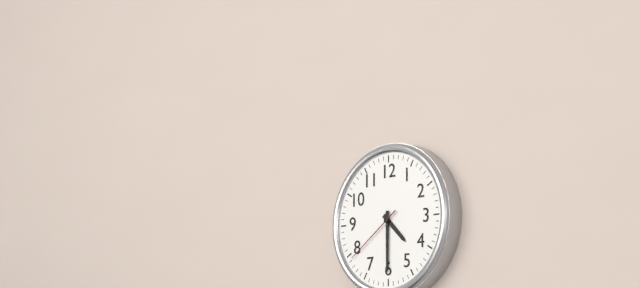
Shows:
{"hour": 4, "minute": 30, "second": 39}
